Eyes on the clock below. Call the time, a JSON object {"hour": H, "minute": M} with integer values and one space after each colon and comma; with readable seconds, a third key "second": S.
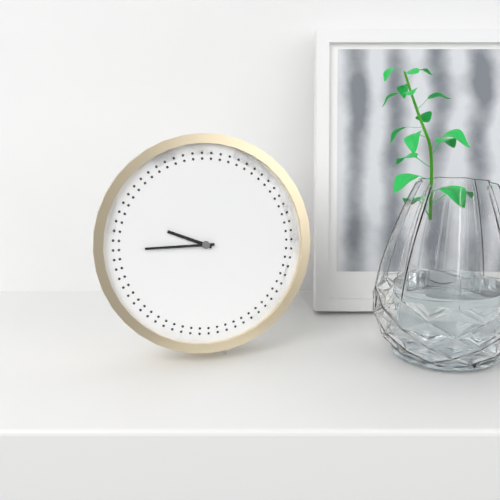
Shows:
{"hour": 9, "minute": 45}
